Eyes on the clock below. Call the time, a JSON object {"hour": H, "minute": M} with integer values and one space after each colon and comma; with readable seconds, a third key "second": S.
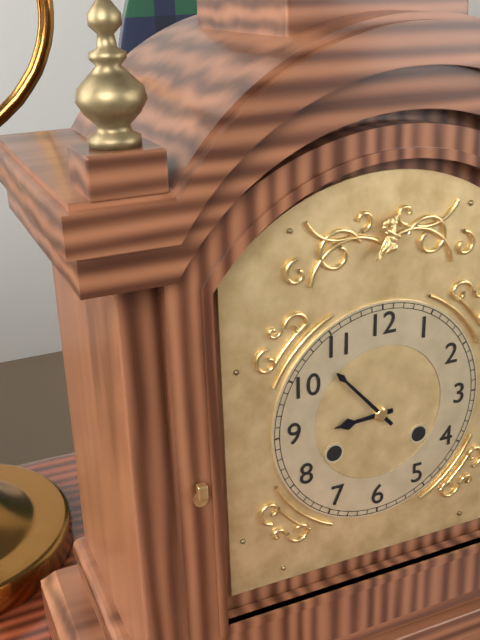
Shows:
{"hour": 8, "minute": 53}
